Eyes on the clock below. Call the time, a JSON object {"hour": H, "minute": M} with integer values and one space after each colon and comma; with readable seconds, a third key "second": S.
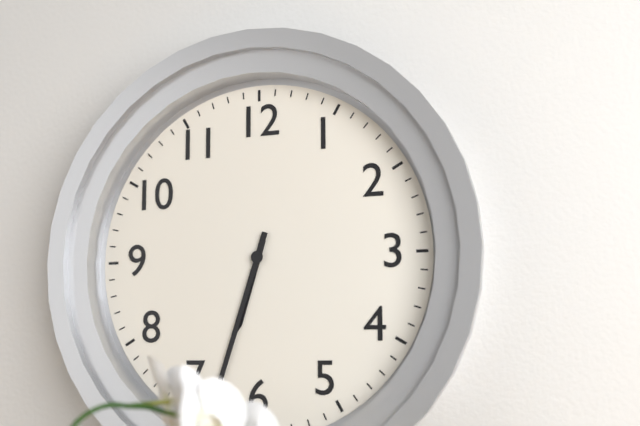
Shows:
{"hour": 6, "minute": 33}
